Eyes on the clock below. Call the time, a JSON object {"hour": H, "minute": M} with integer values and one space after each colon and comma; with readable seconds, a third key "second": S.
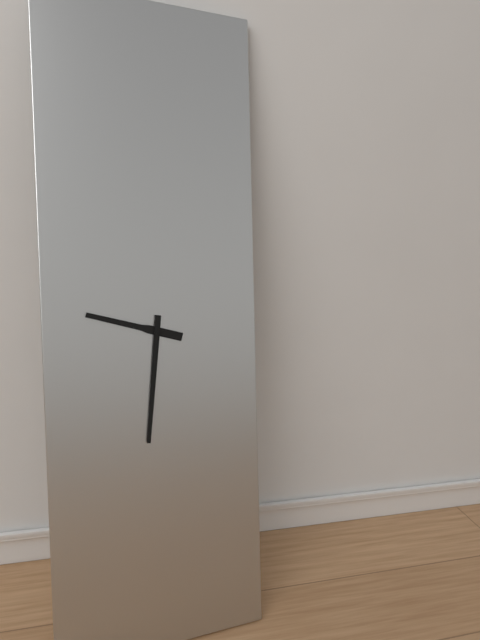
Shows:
{"hour": 9, "minute": 31}
